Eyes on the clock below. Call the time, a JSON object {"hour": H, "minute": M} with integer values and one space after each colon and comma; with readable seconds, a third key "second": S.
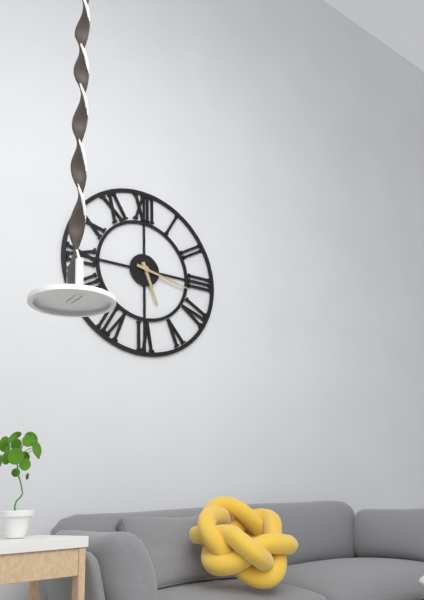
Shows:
{"hour": 5, "minute": 17}
